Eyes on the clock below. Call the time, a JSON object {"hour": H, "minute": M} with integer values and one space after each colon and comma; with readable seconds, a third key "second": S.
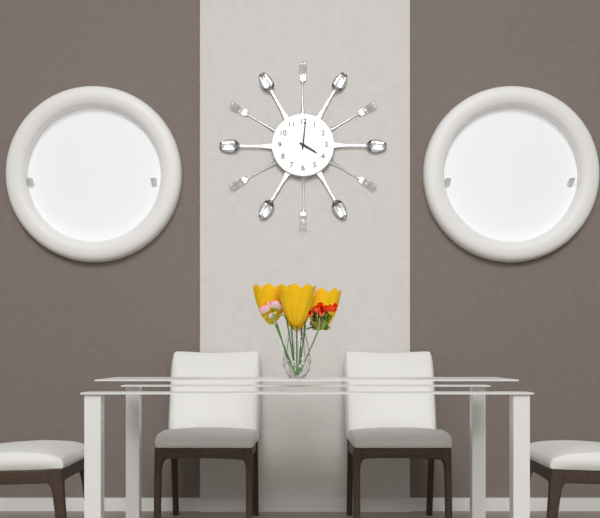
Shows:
{"hour": 4, "minute": 1}
